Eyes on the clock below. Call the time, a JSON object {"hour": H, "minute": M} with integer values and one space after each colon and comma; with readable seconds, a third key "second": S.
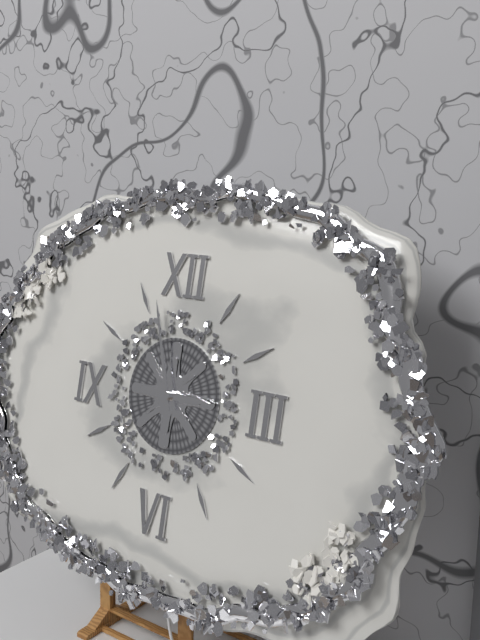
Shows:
{"hour": 2, "minute": 57}
